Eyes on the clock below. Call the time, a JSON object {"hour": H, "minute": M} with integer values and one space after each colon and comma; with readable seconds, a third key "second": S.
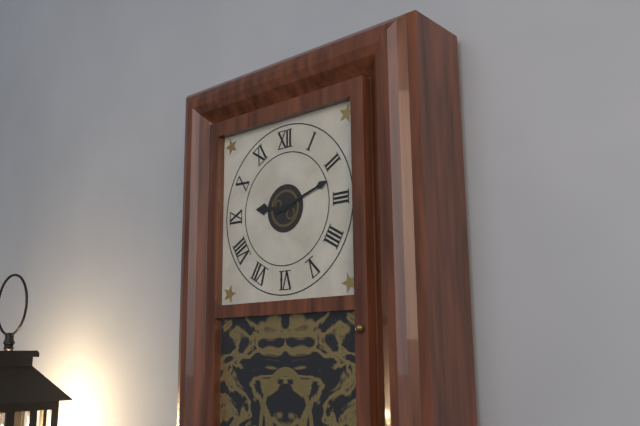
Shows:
{"hour": 9, "minute": 12}
